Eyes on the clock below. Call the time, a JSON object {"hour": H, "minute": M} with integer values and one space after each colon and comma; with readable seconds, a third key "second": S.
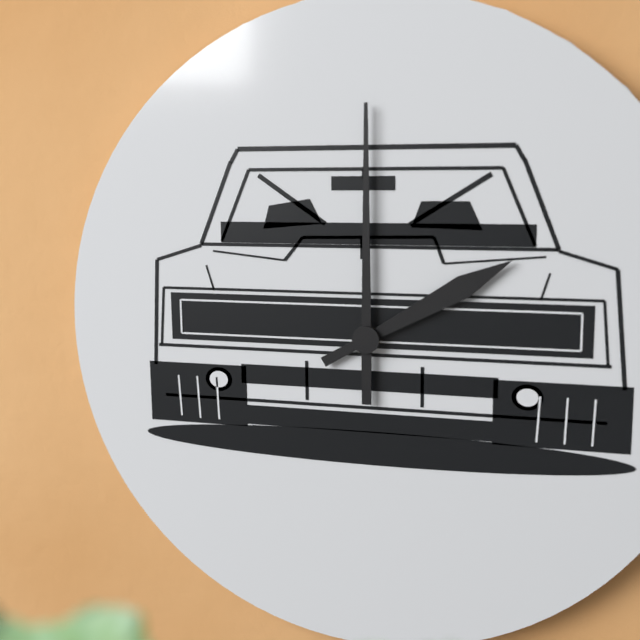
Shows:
{"hour": 2, "minute": 0}
